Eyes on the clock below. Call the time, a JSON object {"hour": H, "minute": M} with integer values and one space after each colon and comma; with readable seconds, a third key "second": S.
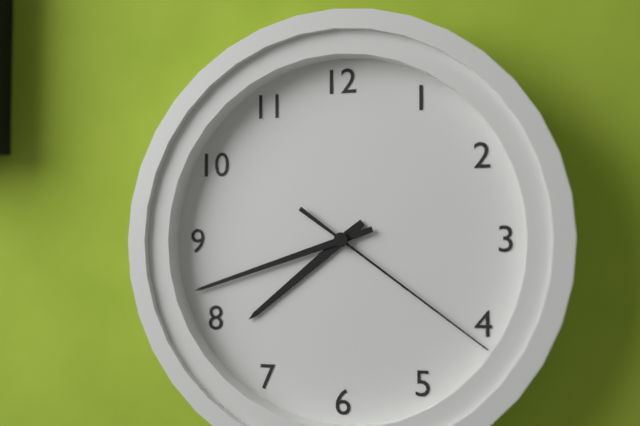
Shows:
{"hour": 7, "minute": 42, "second": 21}
